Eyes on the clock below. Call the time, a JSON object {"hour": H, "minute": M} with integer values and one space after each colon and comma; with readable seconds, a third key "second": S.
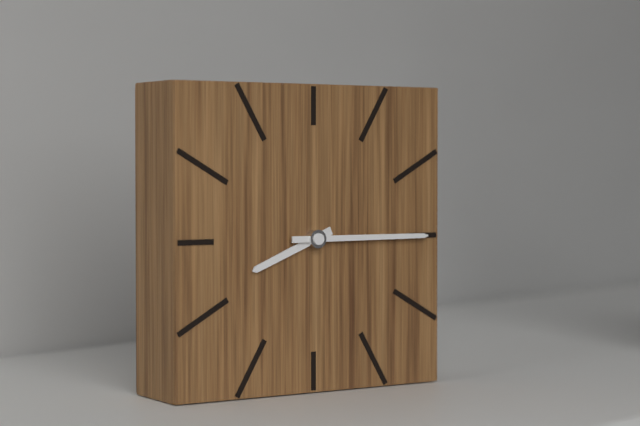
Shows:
{"hour": 8, "minute": 15}
